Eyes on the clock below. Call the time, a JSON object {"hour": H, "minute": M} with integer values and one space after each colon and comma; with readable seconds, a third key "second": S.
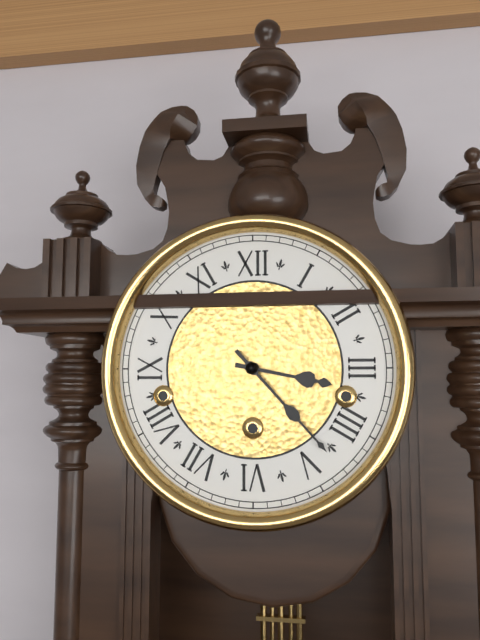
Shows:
{"hour": 3, "minute": 23}
